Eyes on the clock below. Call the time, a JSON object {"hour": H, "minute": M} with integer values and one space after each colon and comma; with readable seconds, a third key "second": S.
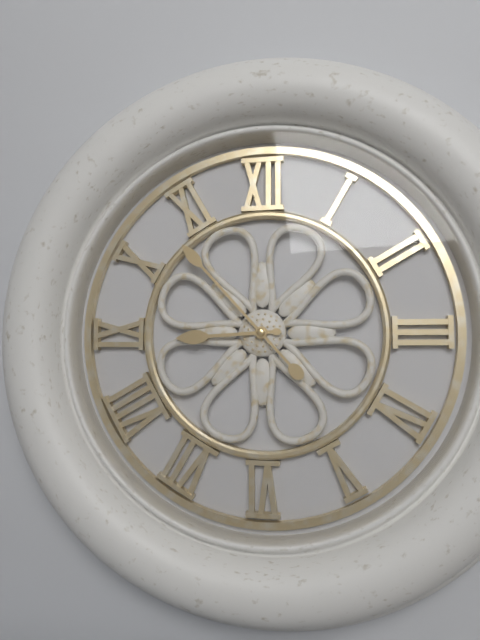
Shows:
{"hour": 8, "minute": 53}
